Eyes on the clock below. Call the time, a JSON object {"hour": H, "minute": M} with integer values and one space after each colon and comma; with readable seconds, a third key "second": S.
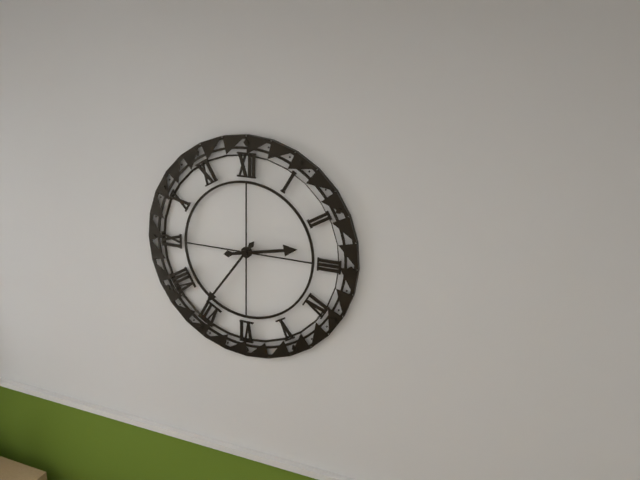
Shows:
{"hour": 2, "minute": 36}
